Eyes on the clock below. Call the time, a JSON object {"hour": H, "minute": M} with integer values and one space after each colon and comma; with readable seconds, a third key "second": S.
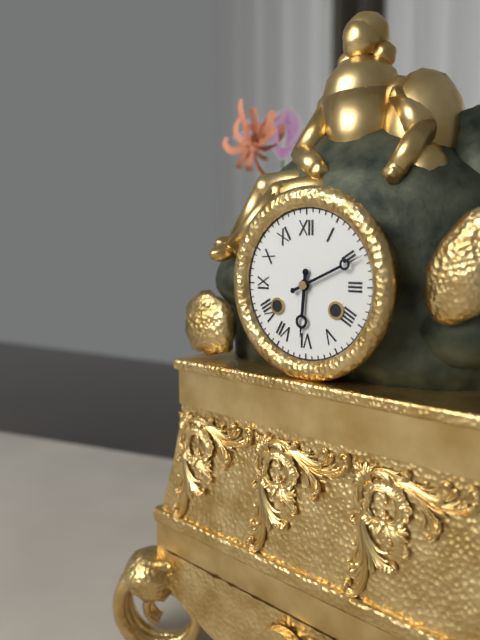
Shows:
{"hour": 6, "minute": 11}
